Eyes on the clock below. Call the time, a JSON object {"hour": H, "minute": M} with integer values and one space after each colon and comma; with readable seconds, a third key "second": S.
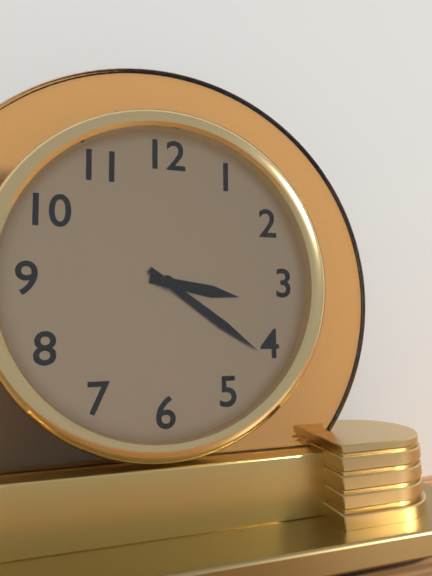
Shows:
{"hour": 3, "minute": 21}
